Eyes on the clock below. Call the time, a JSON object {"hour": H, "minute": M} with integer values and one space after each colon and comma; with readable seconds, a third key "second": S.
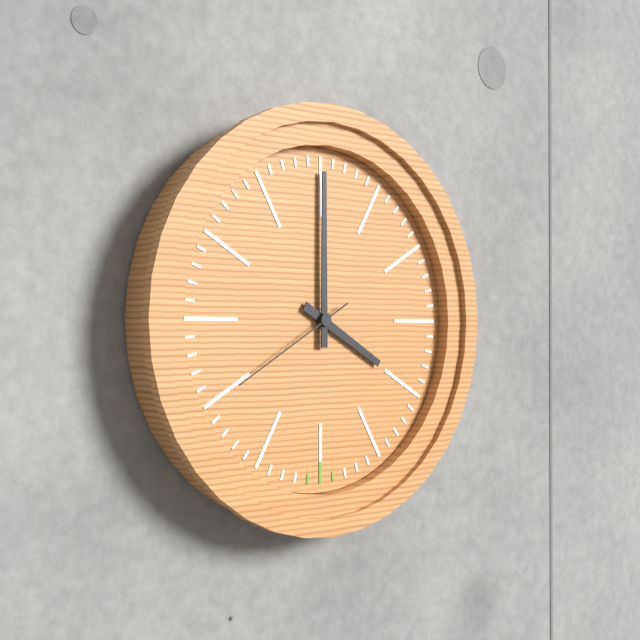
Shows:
{"hour": 4, "minute": 0, "second": 40}
